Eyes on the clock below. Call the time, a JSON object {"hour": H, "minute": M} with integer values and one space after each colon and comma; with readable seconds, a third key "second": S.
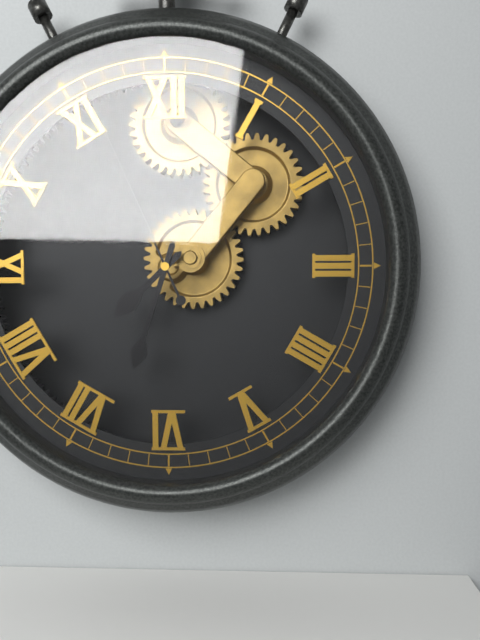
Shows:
{"hour": 7, "minute": 33, "second": 56}
